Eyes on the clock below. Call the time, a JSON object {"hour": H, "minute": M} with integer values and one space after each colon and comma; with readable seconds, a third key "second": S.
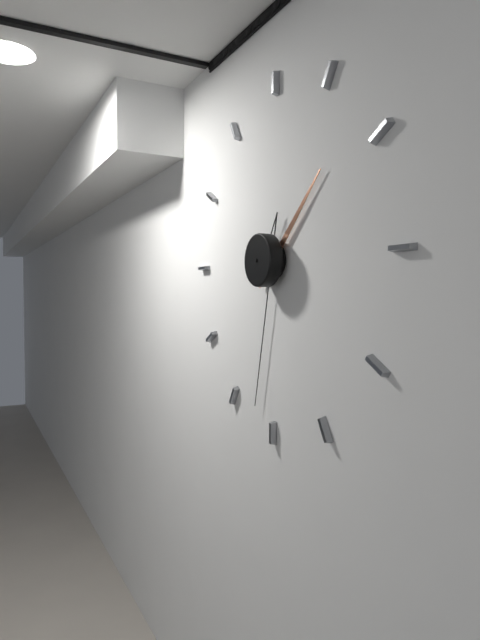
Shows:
{"hour": 1, "minute": 32}
